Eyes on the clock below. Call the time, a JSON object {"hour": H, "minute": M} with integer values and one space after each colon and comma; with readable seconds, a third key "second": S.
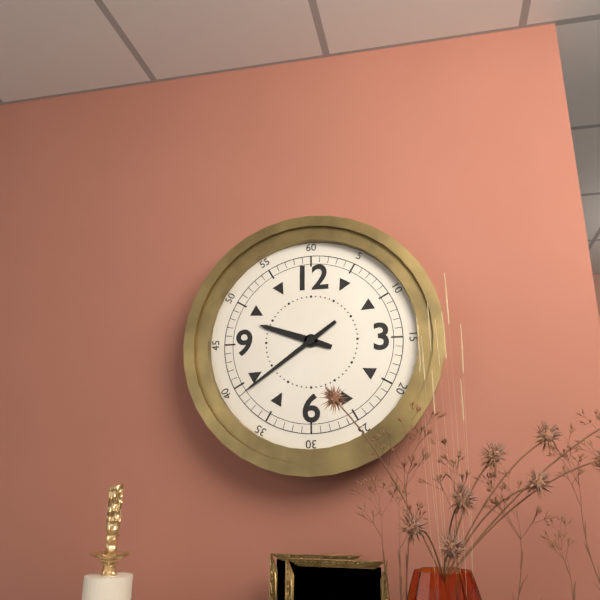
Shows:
{"hour": 9, "minute": 39}
